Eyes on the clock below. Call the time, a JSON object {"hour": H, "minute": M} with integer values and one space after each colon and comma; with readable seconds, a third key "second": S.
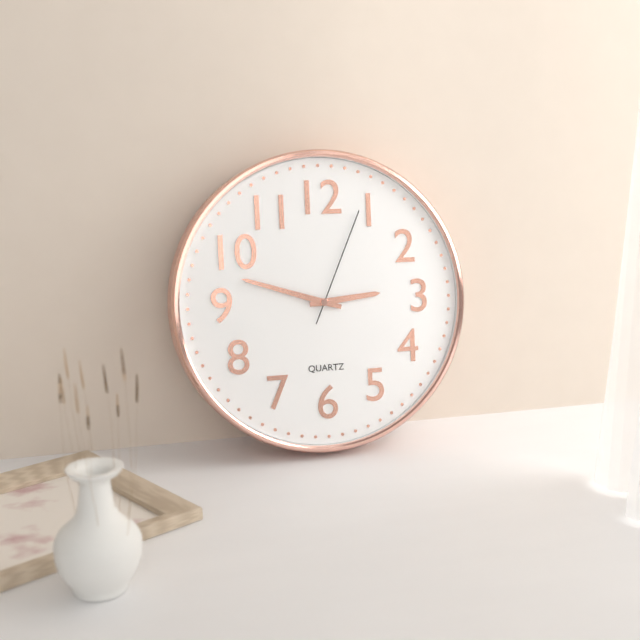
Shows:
{"hour": 2, "minute": 48, "second": 4}
